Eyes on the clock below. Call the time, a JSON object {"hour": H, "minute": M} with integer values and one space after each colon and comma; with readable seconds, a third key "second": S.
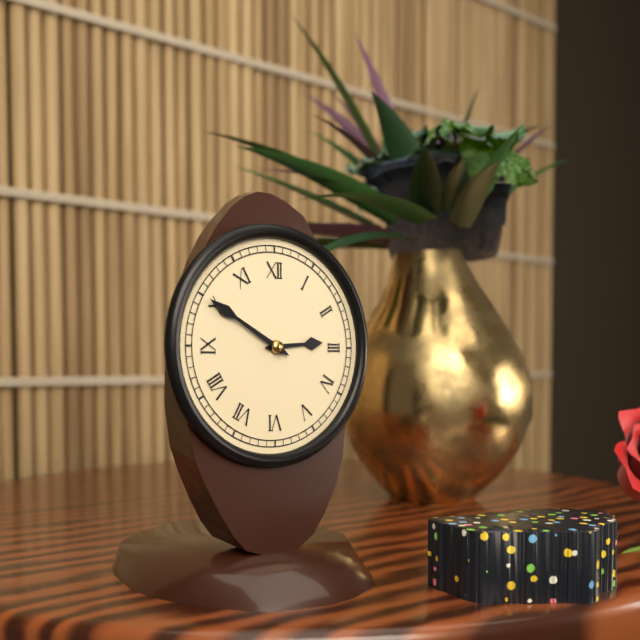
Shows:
{"hour": 2, "minute": 50}
